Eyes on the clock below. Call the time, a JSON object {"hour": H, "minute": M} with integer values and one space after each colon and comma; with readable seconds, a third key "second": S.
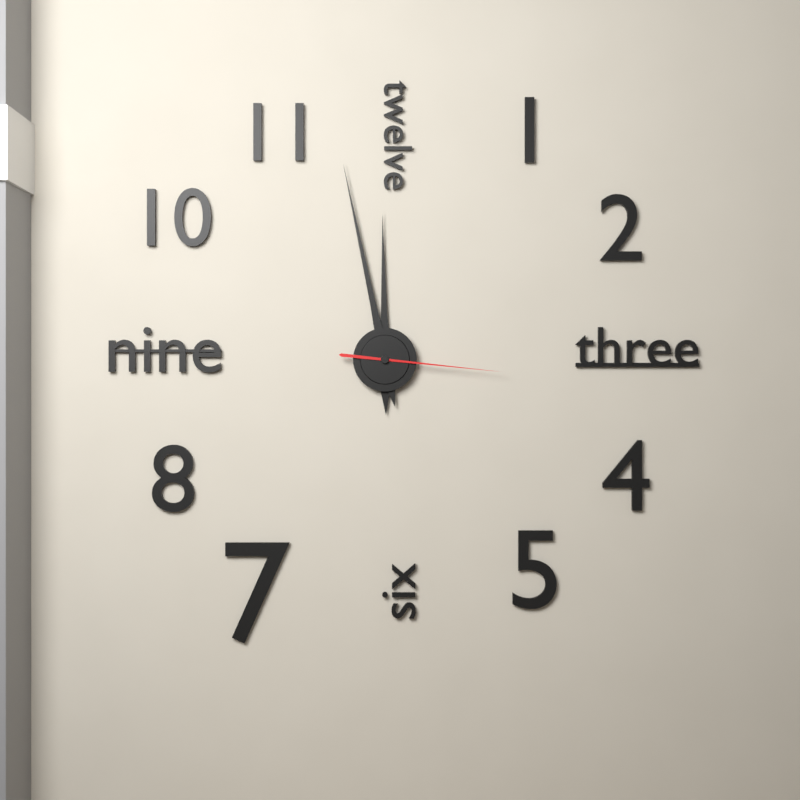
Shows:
{"hour": 11, "minute": 58, "second": 16}
